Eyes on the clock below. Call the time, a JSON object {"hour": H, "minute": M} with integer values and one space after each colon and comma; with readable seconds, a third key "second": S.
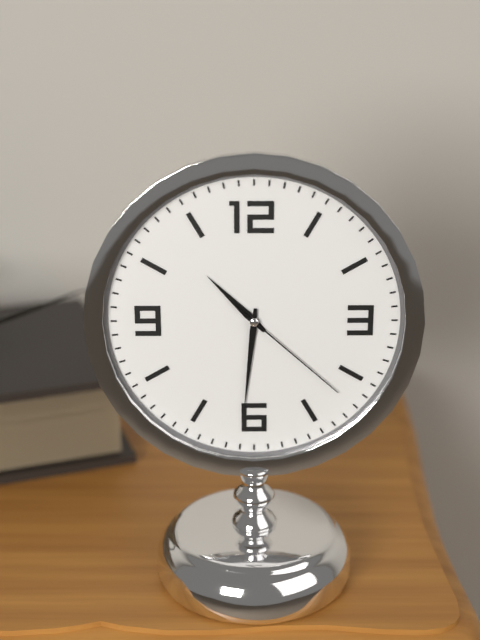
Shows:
{"hour": 10, "minute": 31, "second": 22}
